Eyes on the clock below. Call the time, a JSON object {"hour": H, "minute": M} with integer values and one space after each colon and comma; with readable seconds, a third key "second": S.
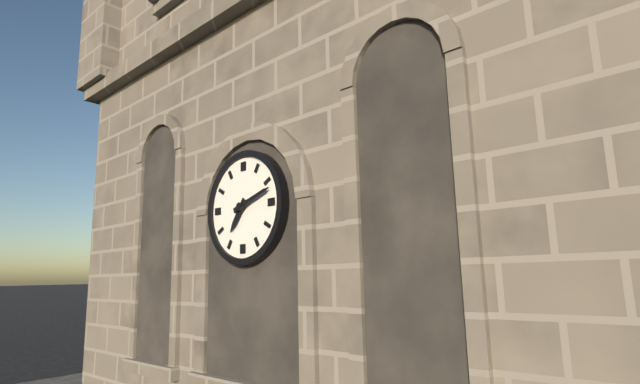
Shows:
{"hour": 7, "minute": 12}
